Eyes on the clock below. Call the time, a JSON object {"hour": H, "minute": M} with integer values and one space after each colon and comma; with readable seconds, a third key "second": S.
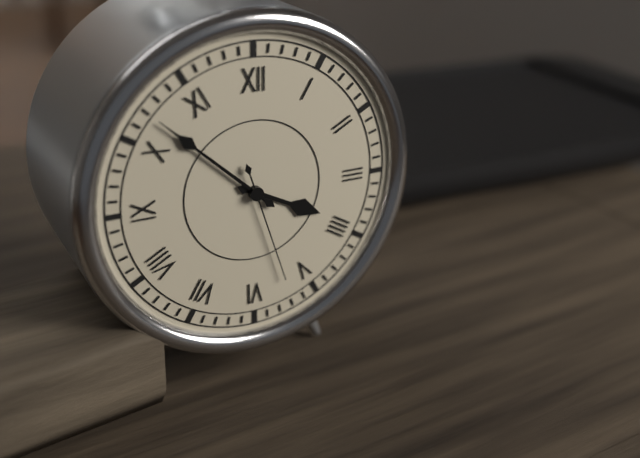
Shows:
{"hour": 3, "minute": 52, "second": 27}
